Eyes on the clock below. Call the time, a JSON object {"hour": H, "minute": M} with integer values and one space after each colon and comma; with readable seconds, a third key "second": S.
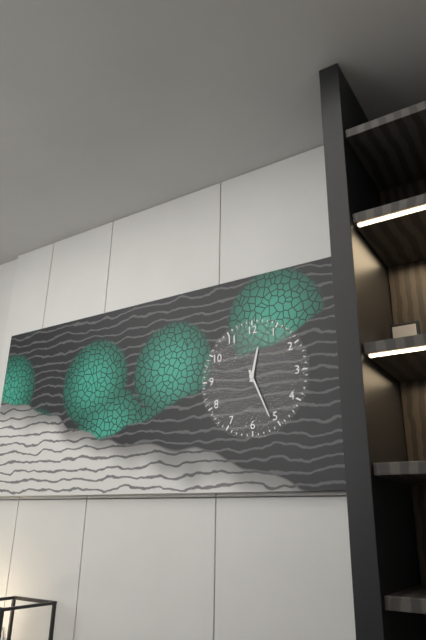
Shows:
{"hour": 12, "minute": 26}
